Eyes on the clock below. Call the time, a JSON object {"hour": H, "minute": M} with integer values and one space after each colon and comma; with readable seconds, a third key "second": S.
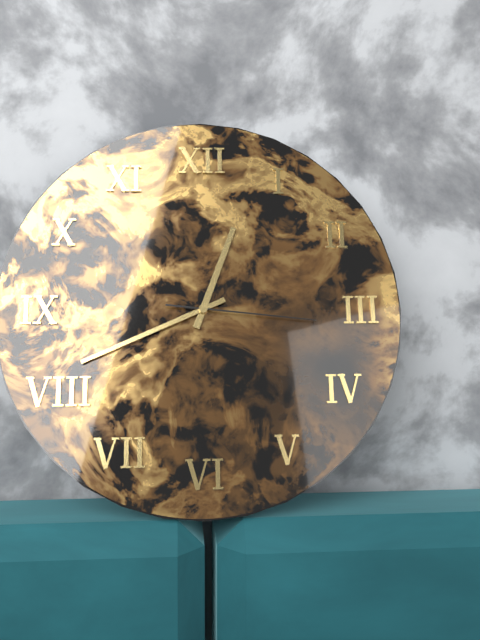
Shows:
{"hour": 12, "minute": 41, "second": 16}
